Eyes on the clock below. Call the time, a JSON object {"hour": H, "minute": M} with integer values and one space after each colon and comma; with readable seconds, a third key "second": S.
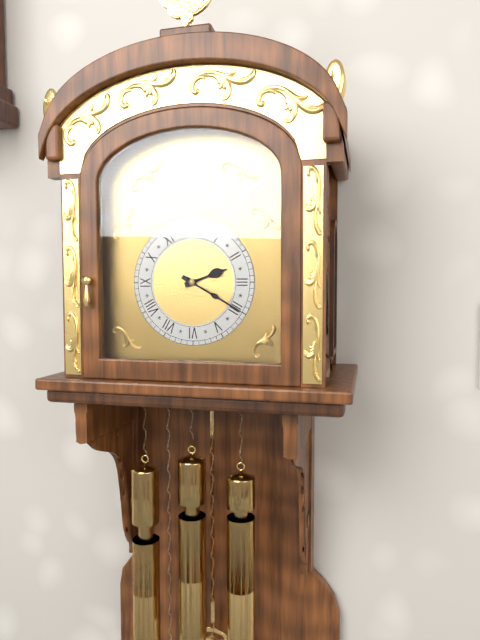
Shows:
{"hour": 2, "minute": 20}
